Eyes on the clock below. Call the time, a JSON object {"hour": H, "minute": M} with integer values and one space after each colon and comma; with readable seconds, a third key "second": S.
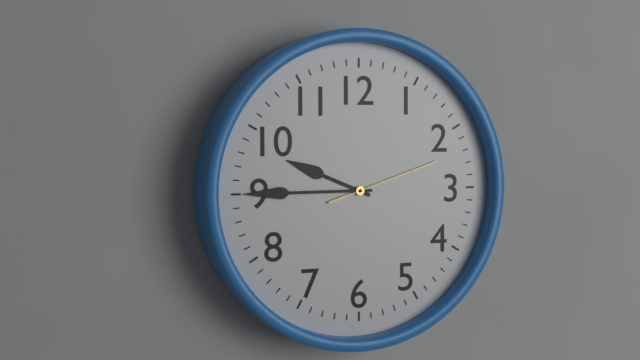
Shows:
{"hour": 9, "minute": 45, "second": 12}
